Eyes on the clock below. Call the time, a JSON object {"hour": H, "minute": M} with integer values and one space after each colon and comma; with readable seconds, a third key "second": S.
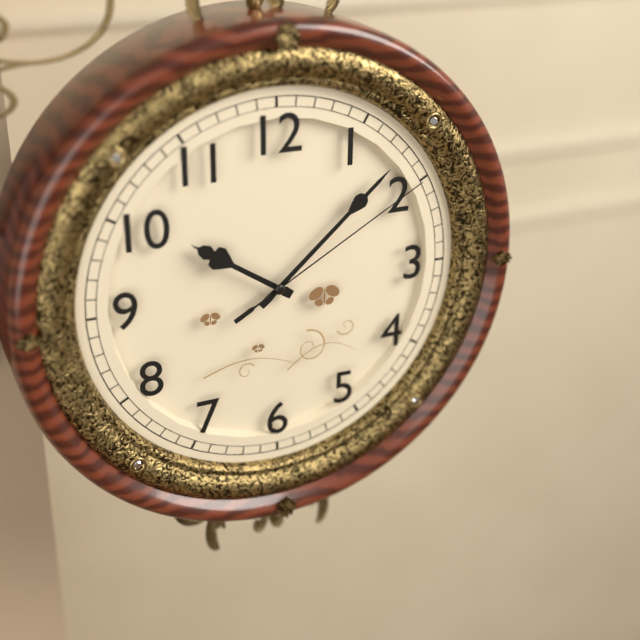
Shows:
{"hour": 10, "minute": 8, "second": 10}
